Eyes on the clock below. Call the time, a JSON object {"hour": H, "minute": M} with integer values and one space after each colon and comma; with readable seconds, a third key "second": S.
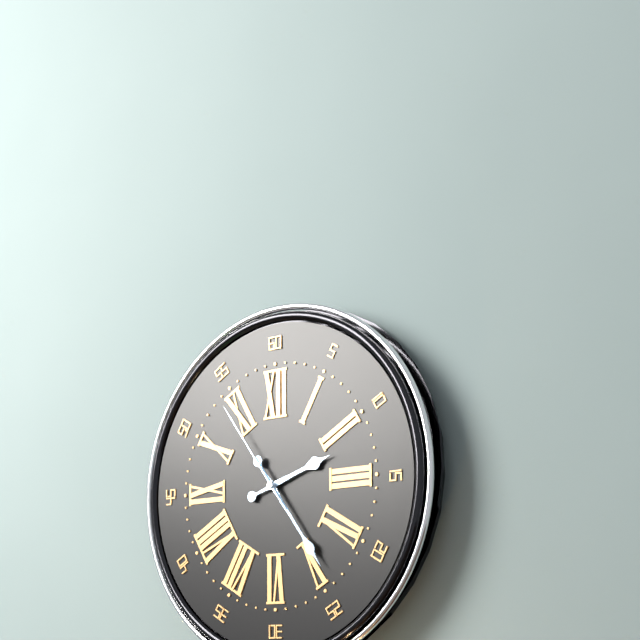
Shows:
{"hour": 2, "minute": 24, "second": 54}
